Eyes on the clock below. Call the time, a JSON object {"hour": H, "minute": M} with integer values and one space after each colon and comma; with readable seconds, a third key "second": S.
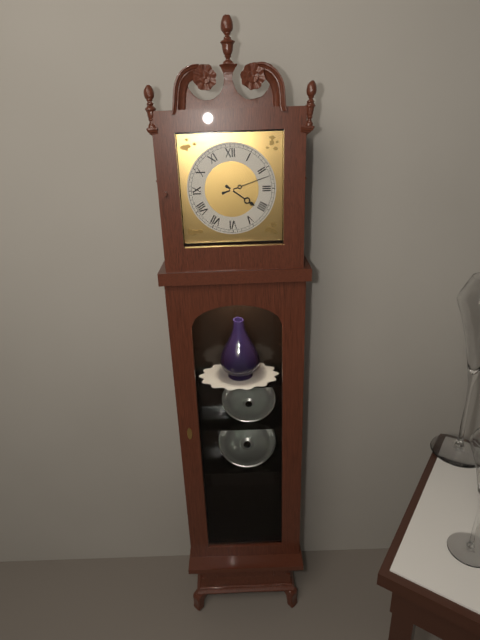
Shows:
{"hour": 4, "minute": 12}
